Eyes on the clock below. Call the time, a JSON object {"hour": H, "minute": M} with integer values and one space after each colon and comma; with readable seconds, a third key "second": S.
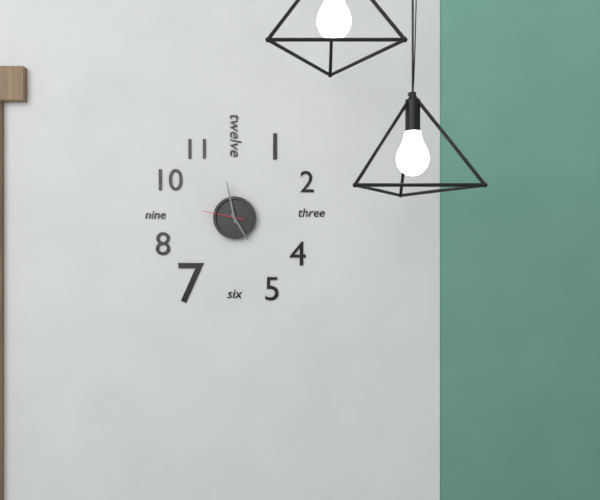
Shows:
{"hour": 4, "minute": 58}
